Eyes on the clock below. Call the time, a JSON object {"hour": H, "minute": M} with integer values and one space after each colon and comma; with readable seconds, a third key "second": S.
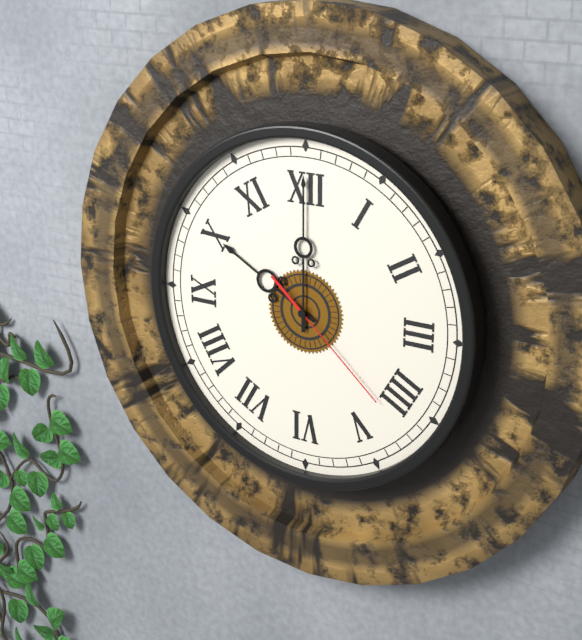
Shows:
{"hour": 10, "minute": 0, "second": 22}
